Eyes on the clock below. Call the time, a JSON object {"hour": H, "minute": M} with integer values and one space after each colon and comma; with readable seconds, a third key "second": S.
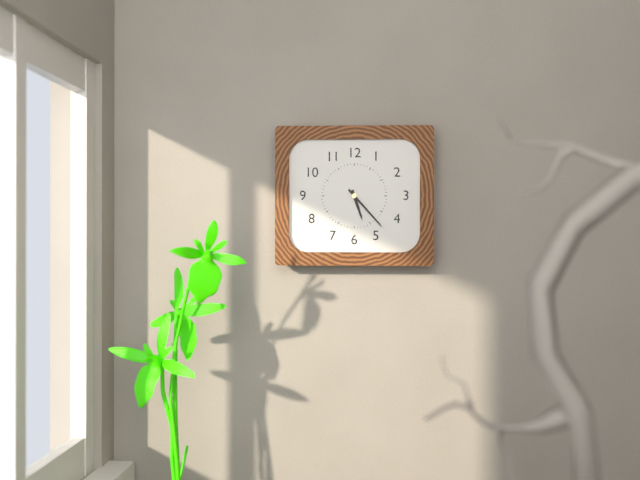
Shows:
{"hour": 5, "minute": 23}
